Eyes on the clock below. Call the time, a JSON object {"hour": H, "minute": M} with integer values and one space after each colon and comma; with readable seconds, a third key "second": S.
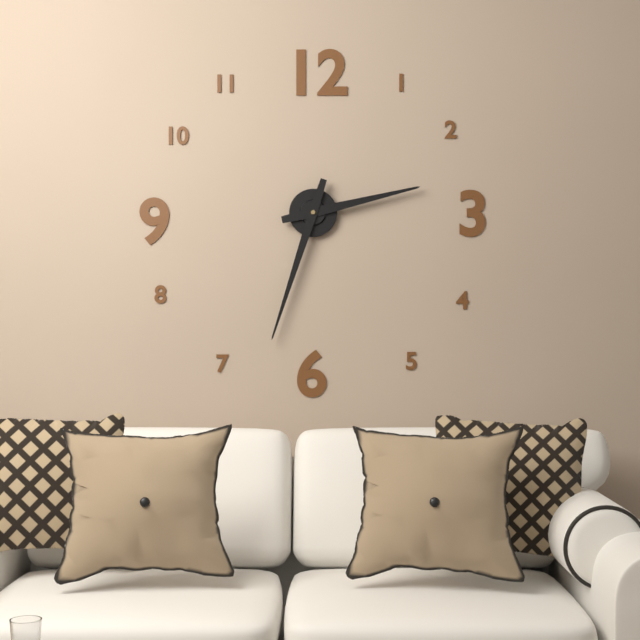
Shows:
{"hour": 2, "minute": 33}
